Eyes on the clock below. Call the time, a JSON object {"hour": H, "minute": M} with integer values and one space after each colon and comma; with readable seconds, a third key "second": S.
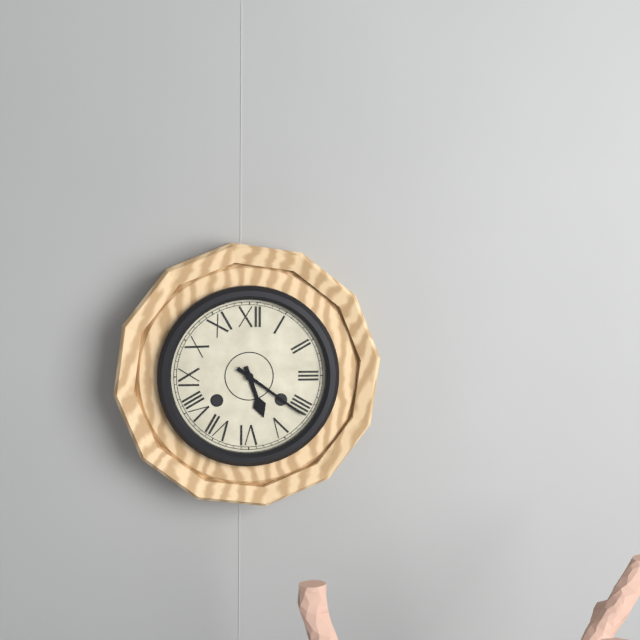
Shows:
{"hour": 5, "minute": 21}
